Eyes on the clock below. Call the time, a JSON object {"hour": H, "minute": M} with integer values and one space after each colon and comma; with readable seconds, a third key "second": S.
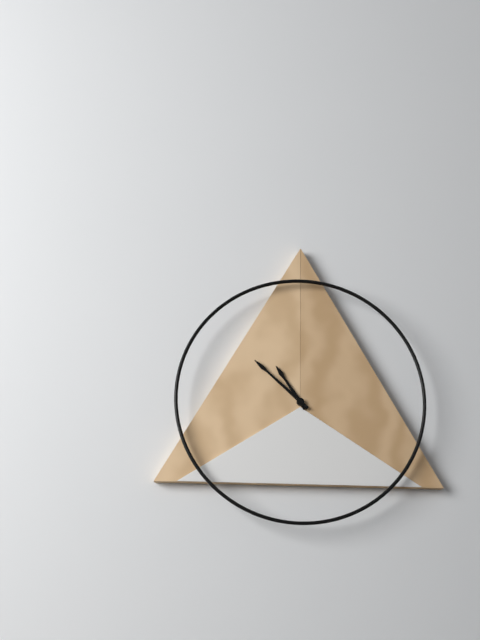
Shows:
{"hour": 10, "minute": 52}
